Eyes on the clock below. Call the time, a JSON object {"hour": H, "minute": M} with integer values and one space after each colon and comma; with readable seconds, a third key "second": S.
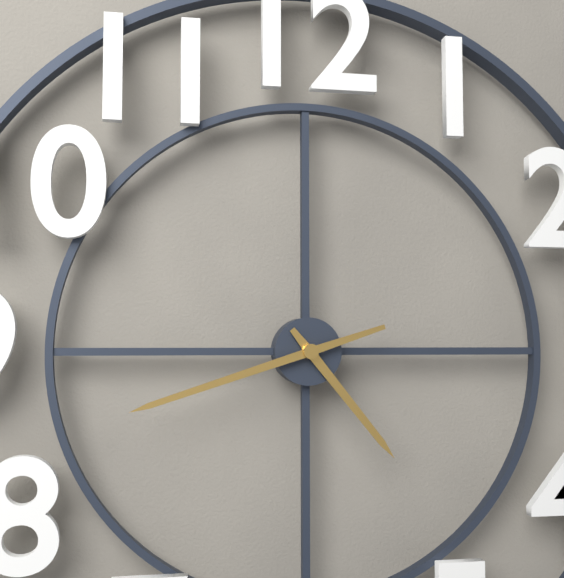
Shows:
{"hour": 4, "minute": 42}
